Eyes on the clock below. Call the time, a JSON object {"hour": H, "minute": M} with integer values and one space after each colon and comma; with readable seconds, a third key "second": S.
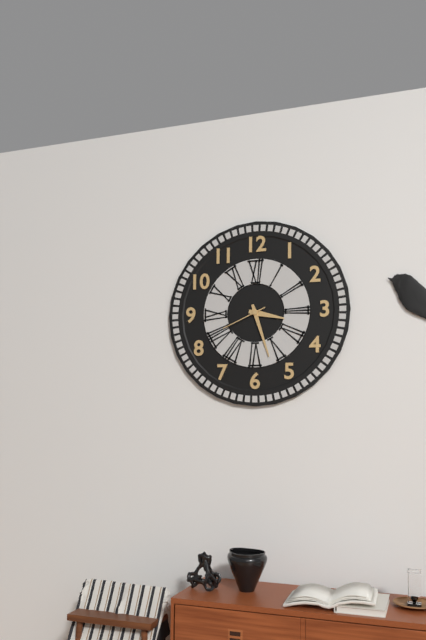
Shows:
{"hour": 3, "minute": 27}
